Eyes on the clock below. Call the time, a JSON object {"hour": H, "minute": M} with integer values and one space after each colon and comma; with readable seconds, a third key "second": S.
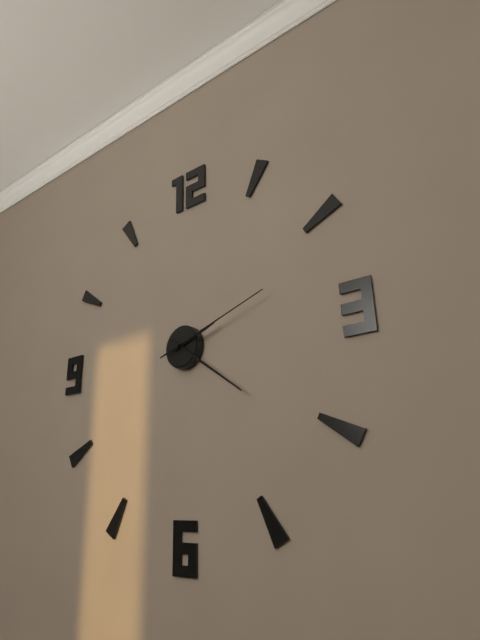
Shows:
{"hour": 2, "minute": 21, "second": 12}
